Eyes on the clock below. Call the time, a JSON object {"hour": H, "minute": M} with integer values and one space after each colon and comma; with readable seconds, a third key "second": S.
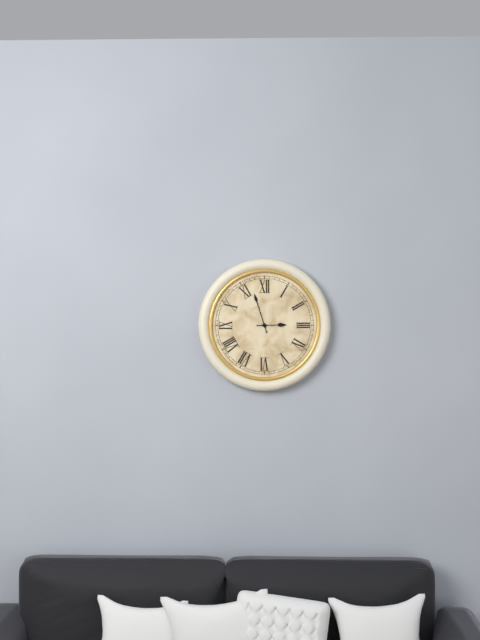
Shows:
{"hour": 2, "minute": 57}
